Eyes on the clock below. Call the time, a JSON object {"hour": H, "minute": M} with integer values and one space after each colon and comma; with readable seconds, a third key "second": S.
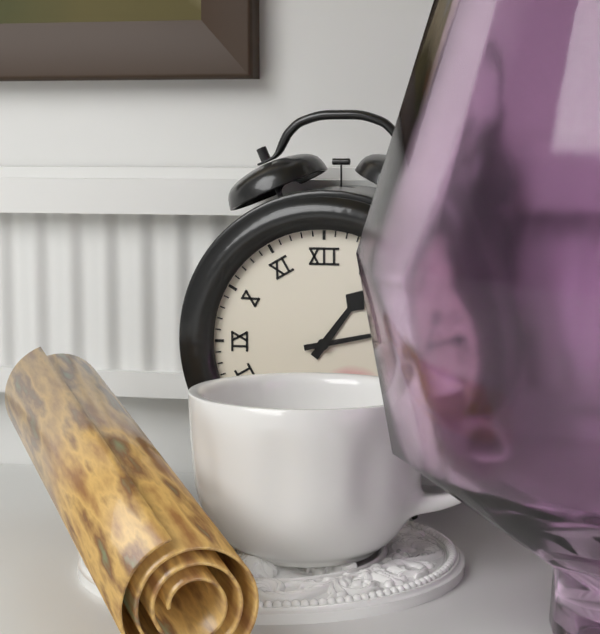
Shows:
{"hour": 1, "minute": 13}
